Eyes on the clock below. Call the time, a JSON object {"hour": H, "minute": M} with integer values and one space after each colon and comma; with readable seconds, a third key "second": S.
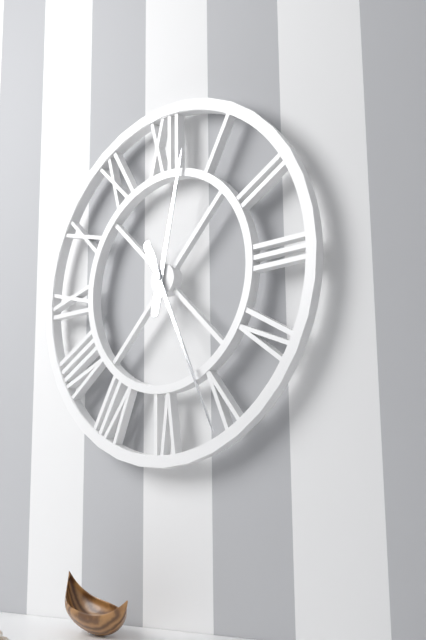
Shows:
{"hour": 12, "minute": 26}
